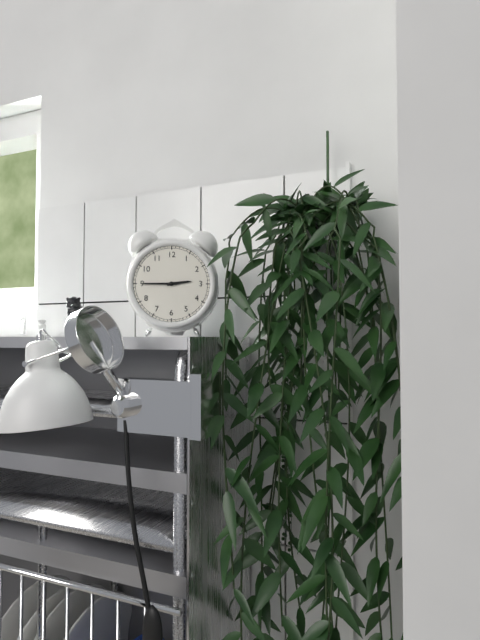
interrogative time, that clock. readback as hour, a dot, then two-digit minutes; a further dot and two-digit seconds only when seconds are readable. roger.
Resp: 2.45
